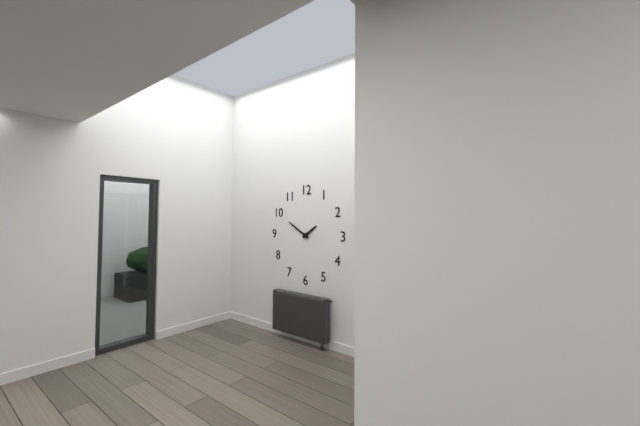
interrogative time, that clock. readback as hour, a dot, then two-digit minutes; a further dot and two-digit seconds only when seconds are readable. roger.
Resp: 1.50
